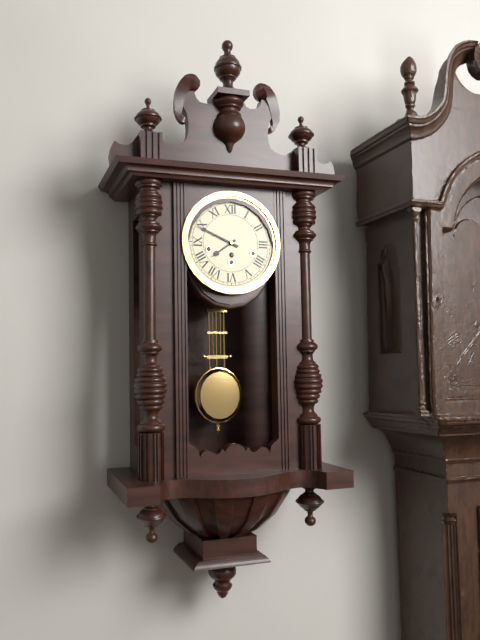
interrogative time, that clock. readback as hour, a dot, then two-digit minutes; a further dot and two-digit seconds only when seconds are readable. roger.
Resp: 7.49
